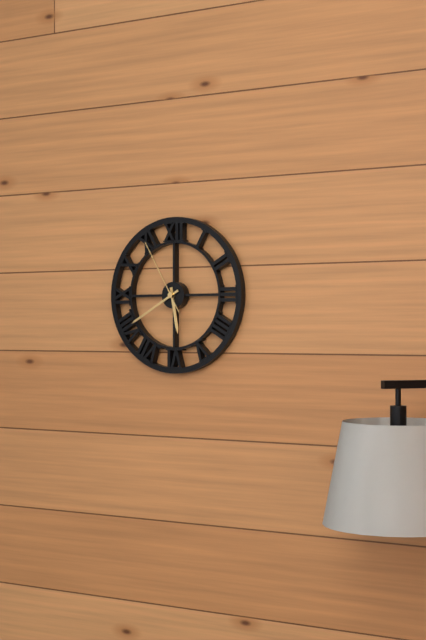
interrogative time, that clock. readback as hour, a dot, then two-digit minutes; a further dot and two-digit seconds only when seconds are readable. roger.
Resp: 5.40.55
